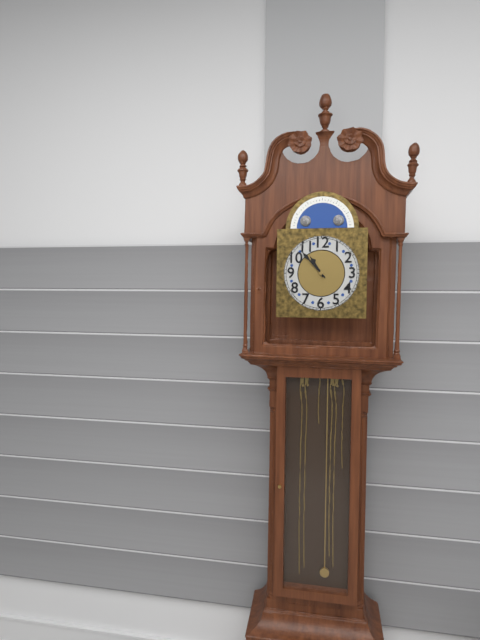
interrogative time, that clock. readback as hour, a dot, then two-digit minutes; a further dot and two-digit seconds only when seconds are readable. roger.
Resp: 10.53
